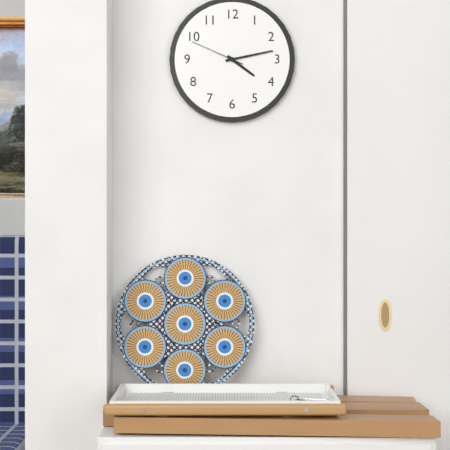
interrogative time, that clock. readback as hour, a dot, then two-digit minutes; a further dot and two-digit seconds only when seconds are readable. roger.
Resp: 4.13.49
